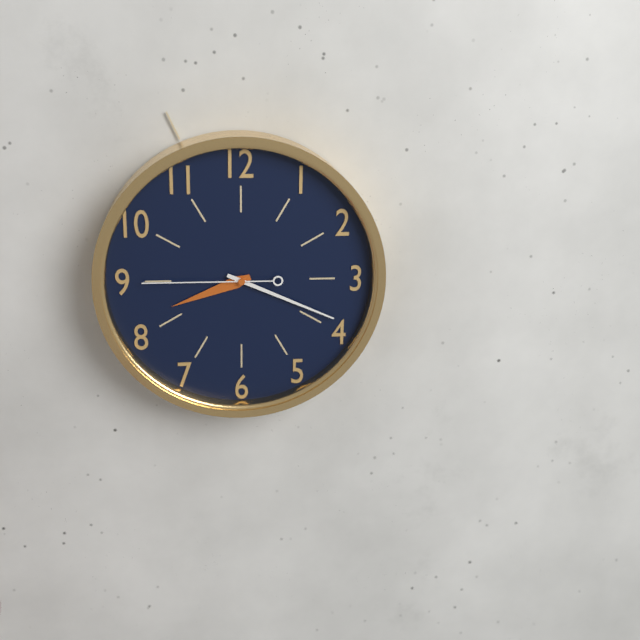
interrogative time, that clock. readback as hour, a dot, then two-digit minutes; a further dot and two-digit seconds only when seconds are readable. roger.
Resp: 8.19.45
